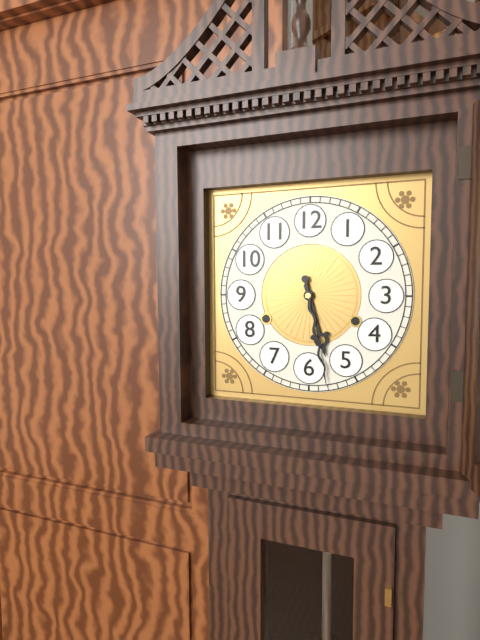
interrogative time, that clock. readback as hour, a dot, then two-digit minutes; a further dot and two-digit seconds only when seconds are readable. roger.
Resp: 5.28
